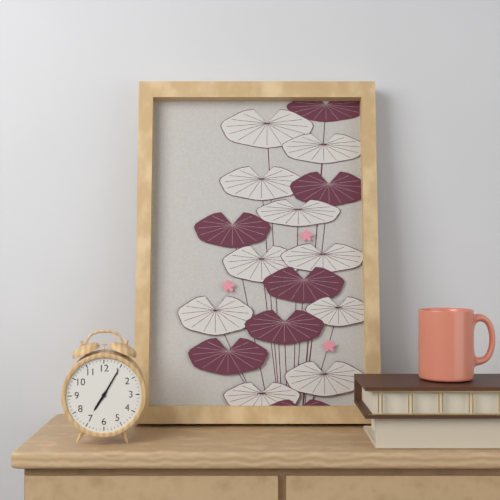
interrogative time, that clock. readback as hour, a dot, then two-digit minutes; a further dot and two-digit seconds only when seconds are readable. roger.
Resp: 7.05
